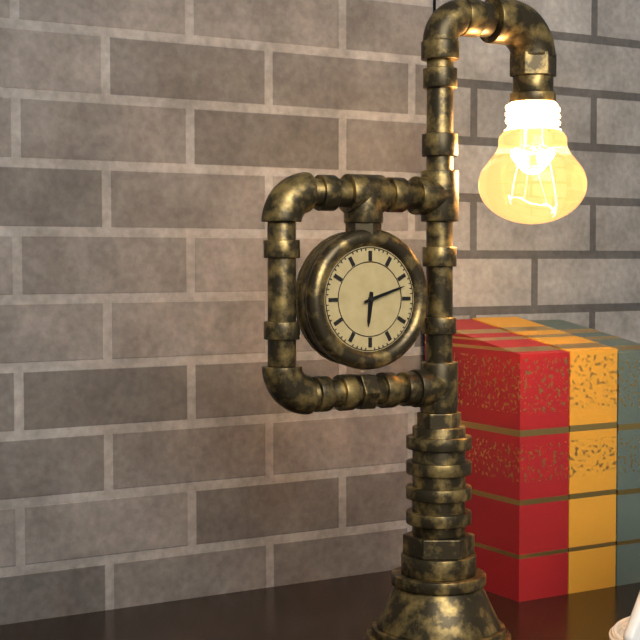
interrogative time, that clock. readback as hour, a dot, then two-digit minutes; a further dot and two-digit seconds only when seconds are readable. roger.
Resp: 6.12
